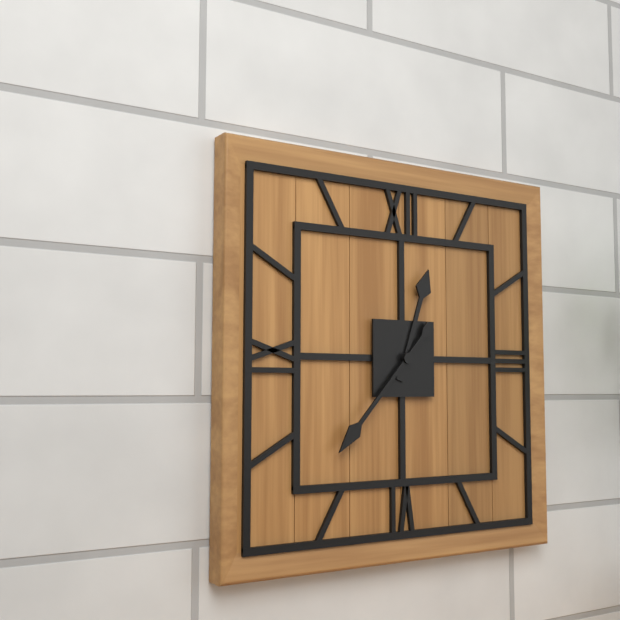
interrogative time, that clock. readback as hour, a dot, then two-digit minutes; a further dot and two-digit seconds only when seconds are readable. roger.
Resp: 12.37
